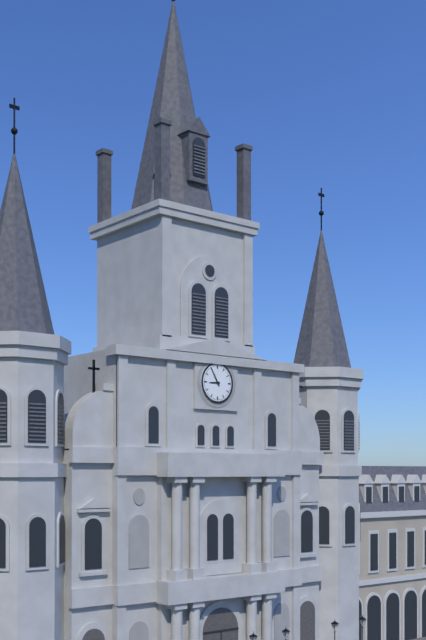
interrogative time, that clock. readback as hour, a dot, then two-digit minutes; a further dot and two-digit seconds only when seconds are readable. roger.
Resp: 8.55
